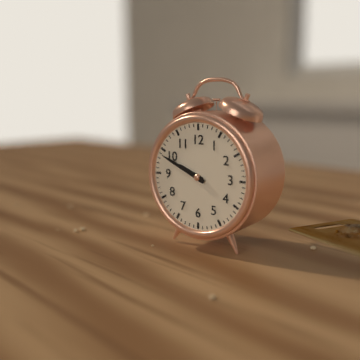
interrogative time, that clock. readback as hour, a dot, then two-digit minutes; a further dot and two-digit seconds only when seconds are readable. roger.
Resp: 9.49
